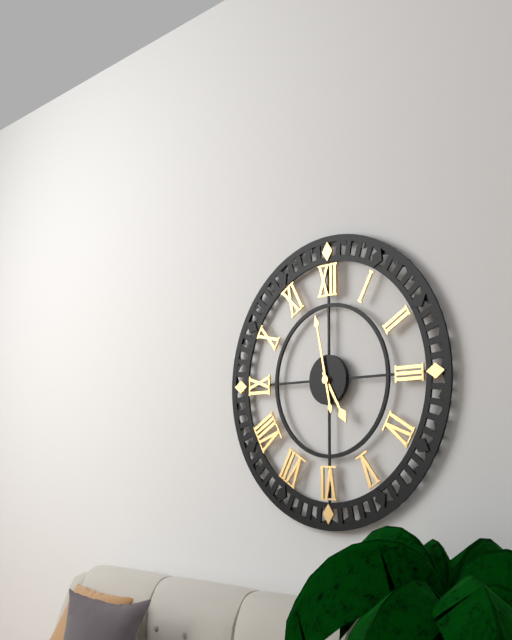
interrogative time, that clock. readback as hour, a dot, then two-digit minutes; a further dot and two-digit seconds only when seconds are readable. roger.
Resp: 4.58
